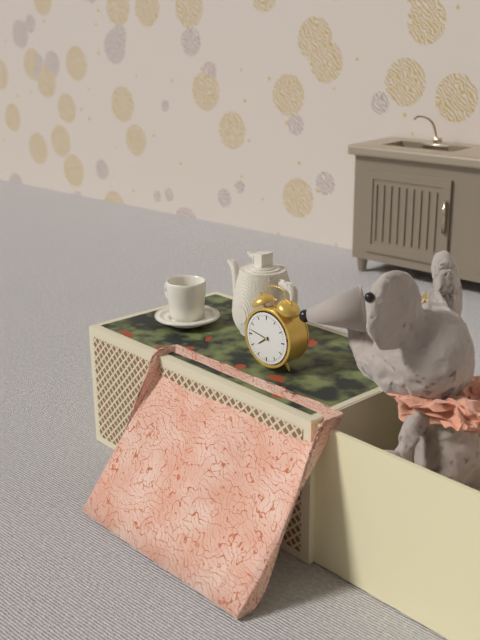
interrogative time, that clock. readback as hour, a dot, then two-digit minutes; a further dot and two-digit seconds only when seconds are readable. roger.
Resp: 7.47
